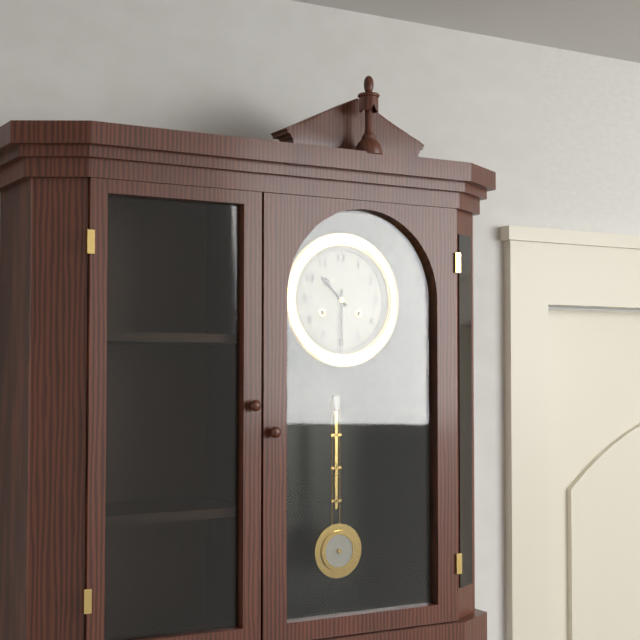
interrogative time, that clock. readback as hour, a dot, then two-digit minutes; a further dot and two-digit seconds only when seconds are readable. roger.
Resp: 10.30
